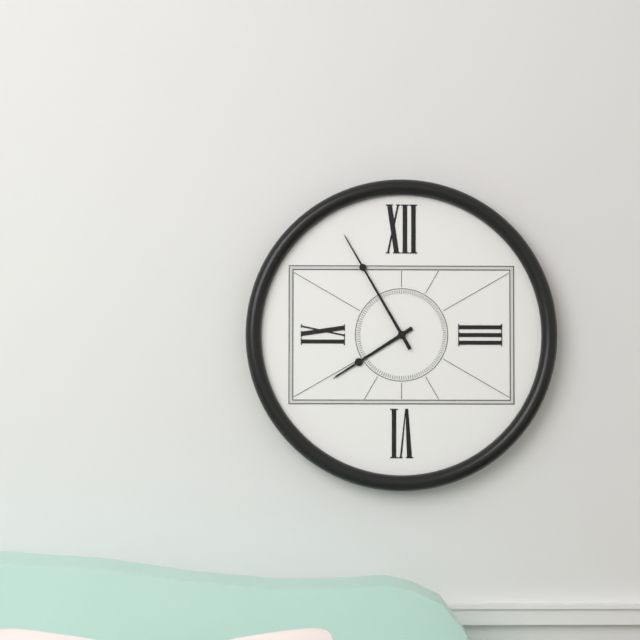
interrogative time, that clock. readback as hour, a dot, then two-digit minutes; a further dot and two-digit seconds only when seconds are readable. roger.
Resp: 7.55
